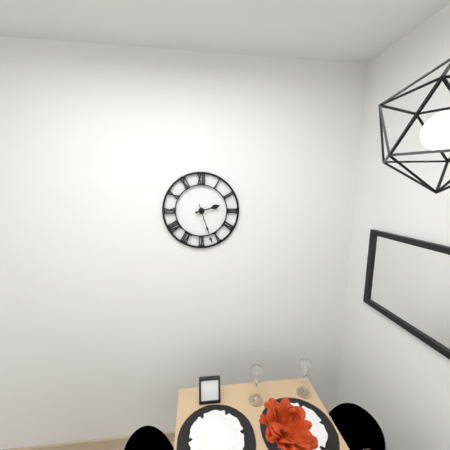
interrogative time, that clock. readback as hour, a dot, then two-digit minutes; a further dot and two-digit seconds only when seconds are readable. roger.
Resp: 2.27
